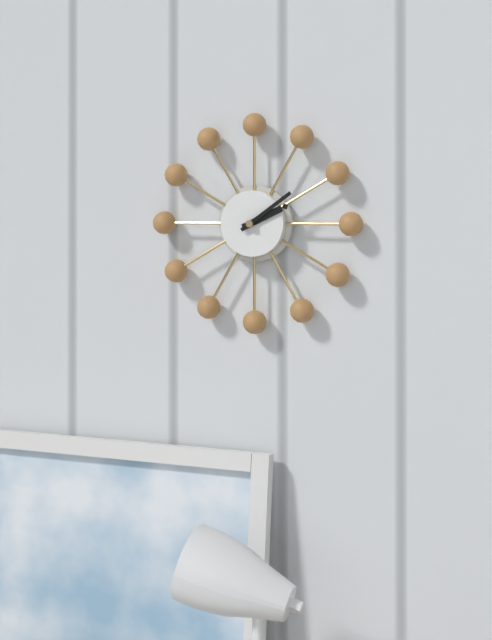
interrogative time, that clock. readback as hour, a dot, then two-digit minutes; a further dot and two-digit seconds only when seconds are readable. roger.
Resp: 2.09
